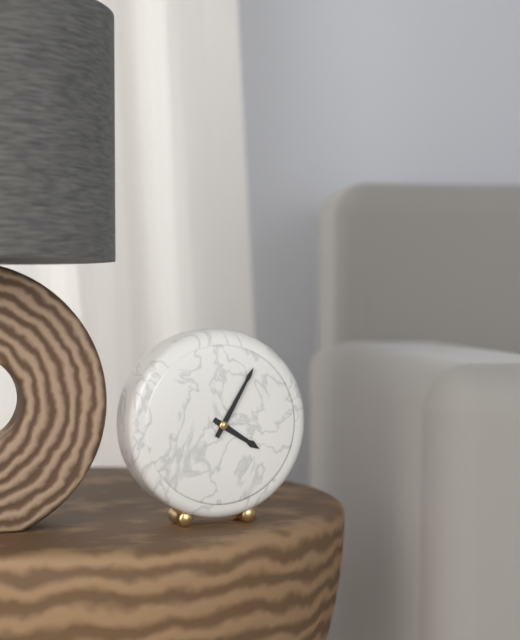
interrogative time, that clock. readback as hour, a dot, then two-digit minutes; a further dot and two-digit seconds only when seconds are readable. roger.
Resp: 4.05
